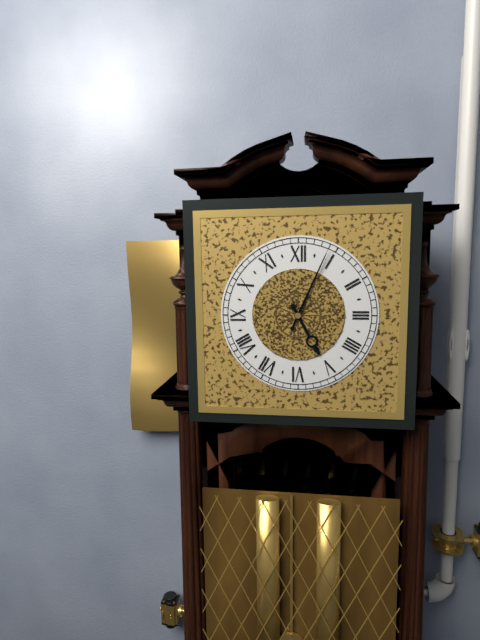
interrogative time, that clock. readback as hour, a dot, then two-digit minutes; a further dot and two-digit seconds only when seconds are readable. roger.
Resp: 5.04
